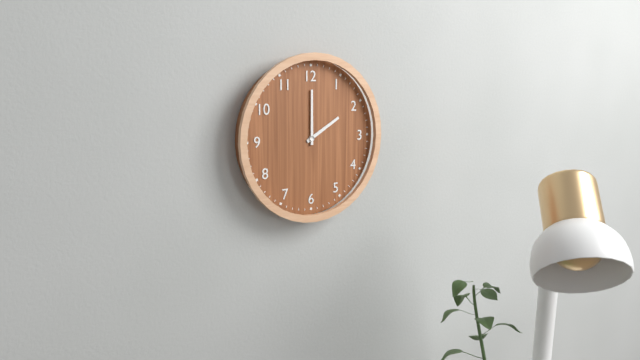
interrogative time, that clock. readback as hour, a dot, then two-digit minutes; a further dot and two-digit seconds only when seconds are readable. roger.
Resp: 2.00
